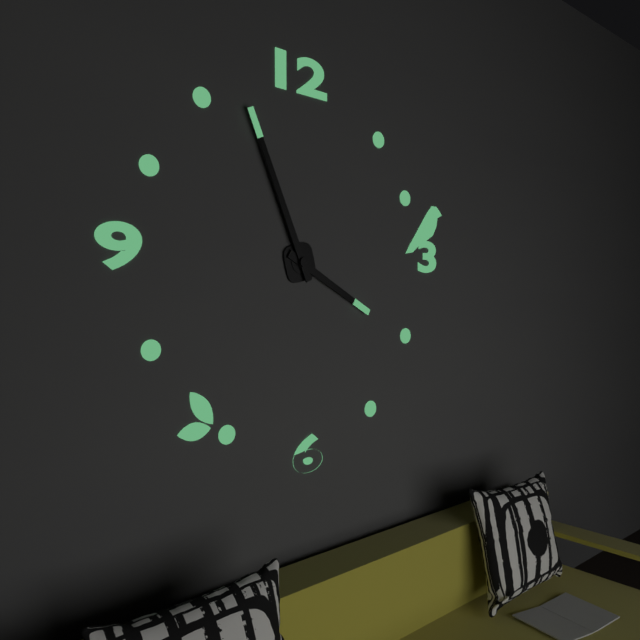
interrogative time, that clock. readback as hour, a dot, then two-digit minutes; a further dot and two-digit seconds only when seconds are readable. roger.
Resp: 3.56
